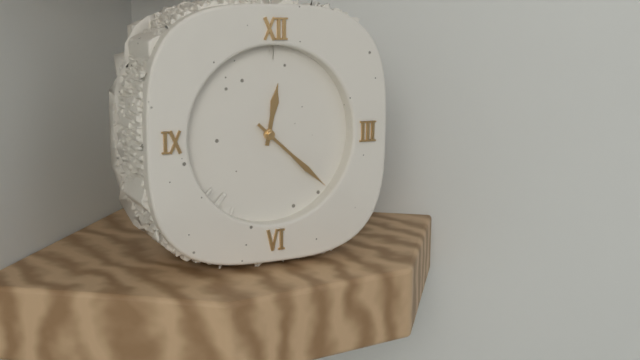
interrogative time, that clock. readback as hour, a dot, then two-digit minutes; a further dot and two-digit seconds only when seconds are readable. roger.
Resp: 12.22
